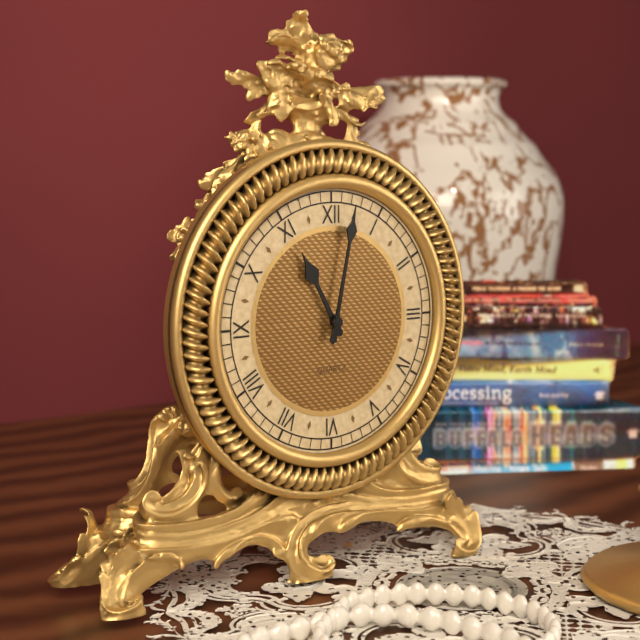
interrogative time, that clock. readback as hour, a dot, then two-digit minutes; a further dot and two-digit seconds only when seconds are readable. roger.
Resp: 11.02
